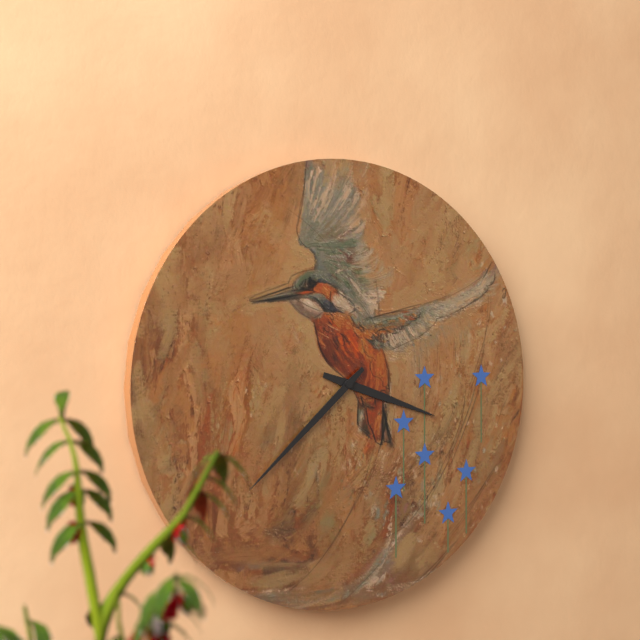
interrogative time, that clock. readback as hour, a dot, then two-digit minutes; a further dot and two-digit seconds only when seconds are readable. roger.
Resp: 3.38
